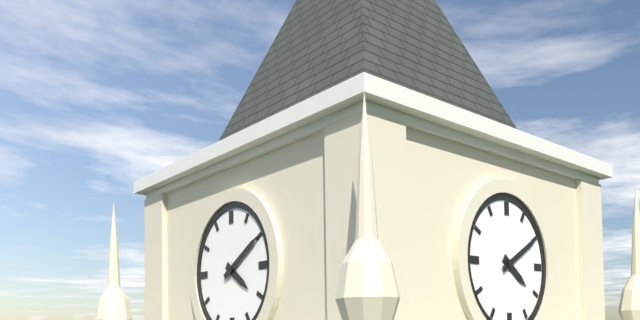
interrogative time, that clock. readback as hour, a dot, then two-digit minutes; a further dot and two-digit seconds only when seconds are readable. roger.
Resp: 4.10
